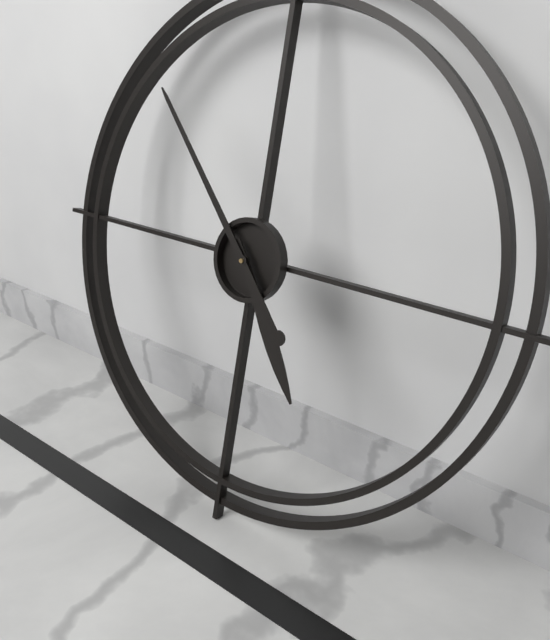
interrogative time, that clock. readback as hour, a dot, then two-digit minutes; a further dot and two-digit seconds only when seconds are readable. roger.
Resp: 4.53
